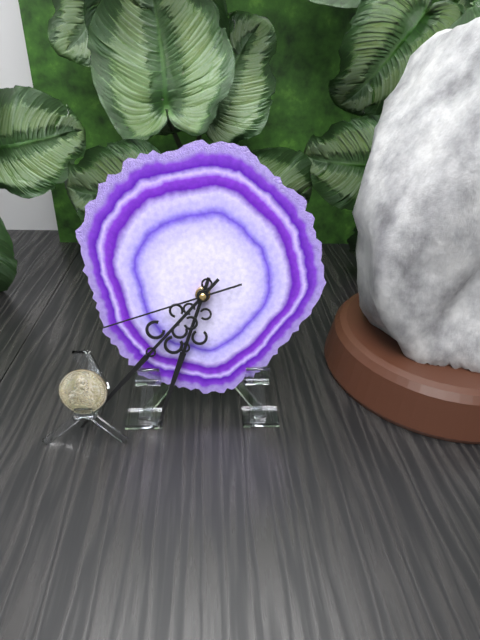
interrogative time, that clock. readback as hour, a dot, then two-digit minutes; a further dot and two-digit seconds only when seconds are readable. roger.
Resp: 6.37.42
